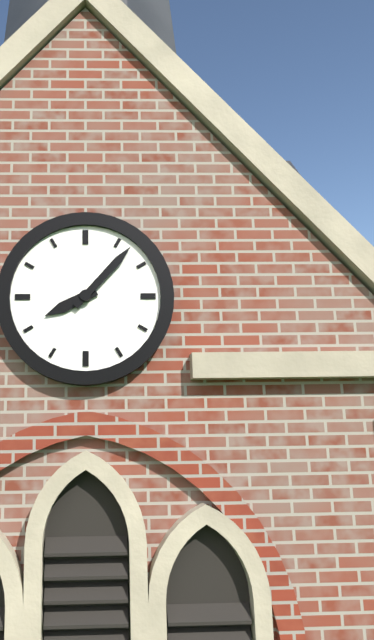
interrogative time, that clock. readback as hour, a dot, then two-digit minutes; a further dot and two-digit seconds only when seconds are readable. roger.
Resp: 8.07
